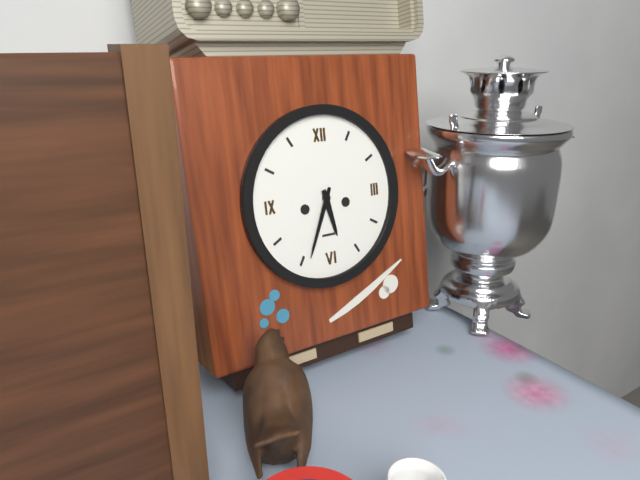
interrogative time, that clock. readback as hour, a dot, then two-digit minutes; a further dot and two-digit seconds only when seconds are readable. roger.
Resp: 5.34
